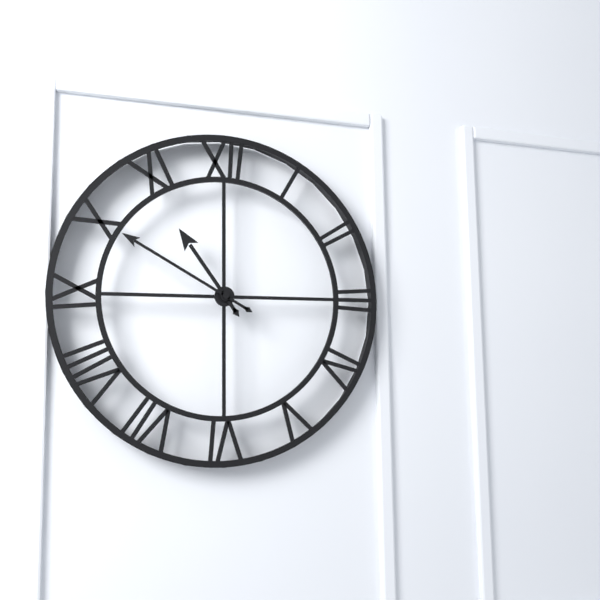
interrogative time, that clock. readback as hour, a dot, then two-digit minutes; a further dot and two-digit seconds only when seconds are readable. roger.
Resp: 10.50
